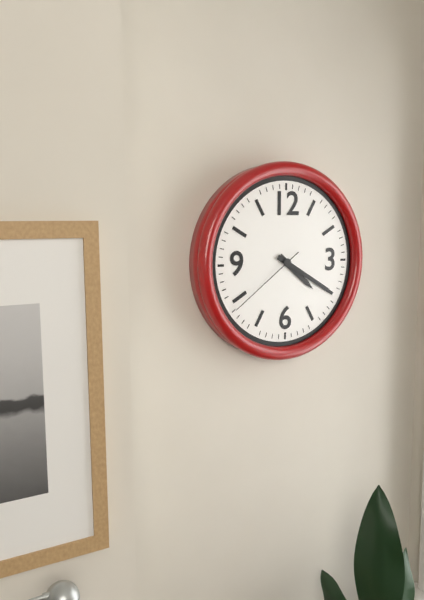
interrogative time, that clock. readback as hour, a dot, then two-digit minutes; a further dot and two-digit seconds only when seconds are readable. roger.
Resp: 4.20.39
